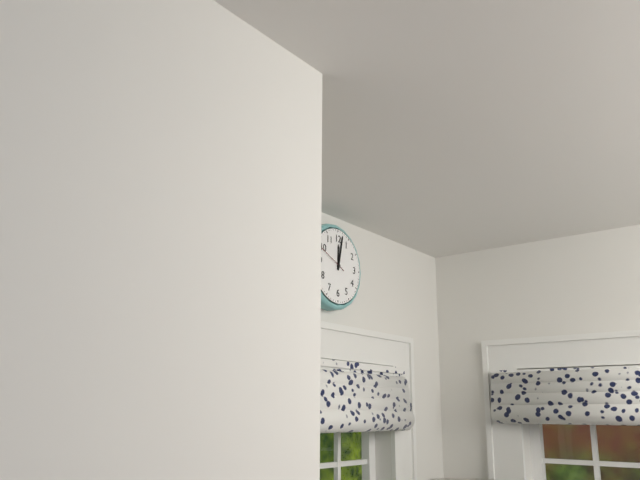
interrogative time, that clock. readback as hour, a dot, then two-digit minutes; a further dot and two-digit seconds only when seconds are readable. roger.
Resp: 12.02
